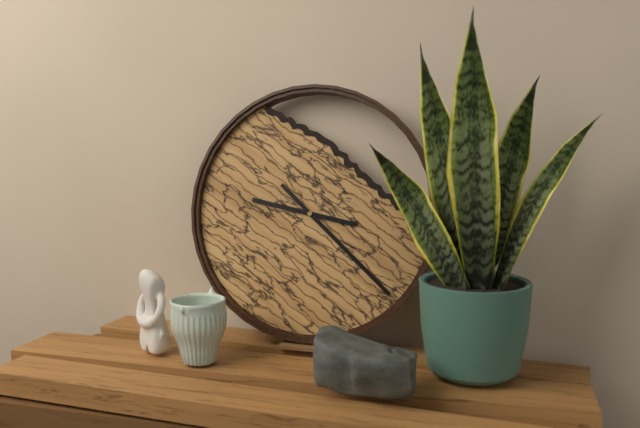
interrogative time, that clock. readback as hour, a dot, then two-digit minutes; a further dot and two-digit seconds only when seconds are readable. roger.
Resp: 9.22
